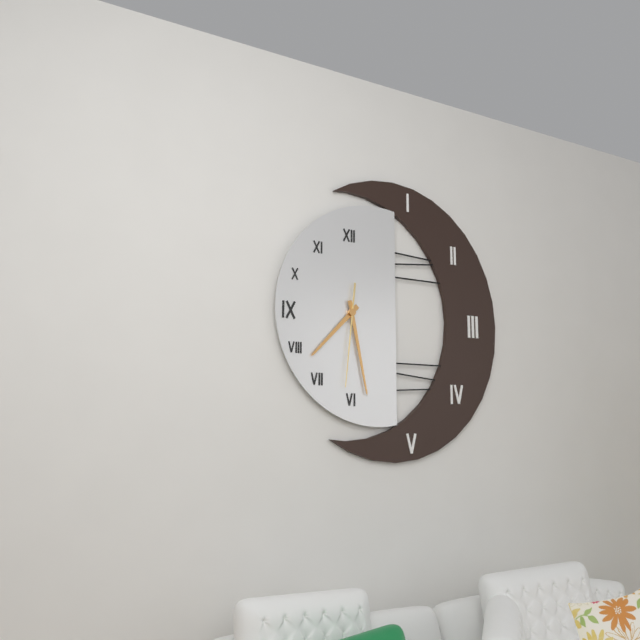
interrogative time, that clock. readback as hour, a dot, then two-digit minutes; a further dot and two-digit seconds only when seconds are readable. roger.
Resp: 7.28.31
